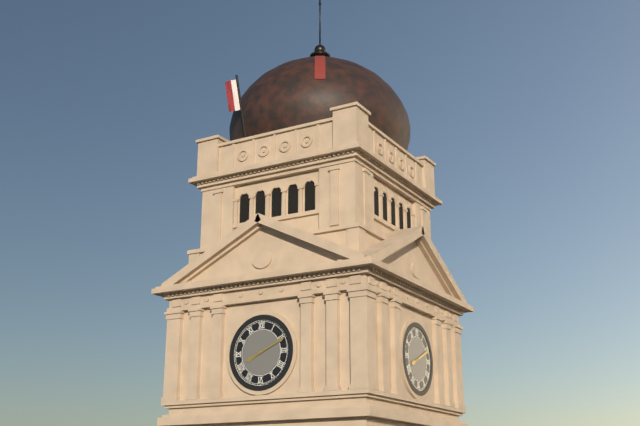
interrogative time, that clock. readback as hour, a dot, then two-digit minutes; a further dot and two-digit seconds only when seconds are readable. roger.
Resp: 8.11
